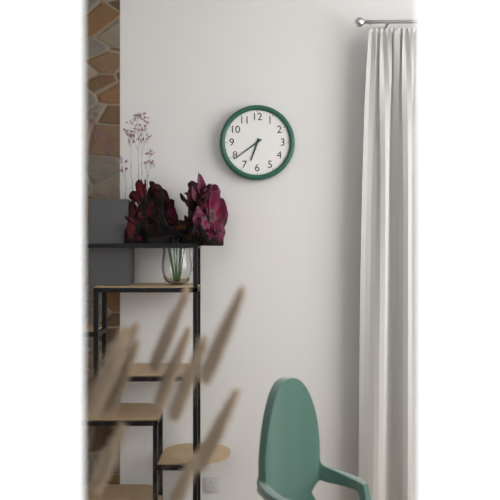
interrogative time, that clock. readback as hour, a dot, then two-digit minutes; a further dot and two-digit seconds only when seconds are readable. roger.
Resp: 6.39
